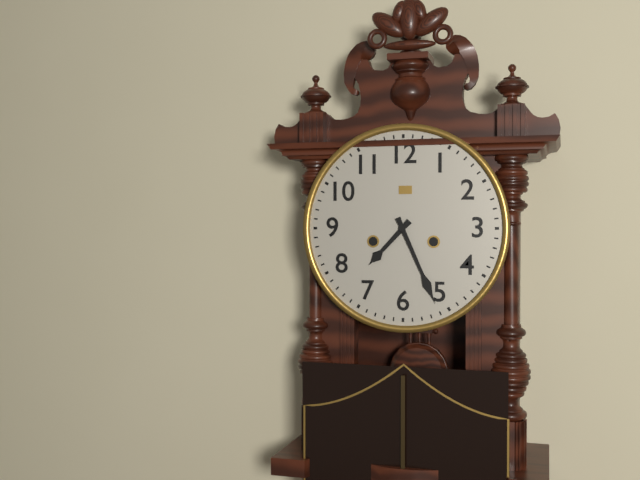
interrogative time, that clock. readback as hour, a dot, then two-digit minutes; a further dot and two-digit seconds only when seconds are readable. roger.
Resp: 7.26
